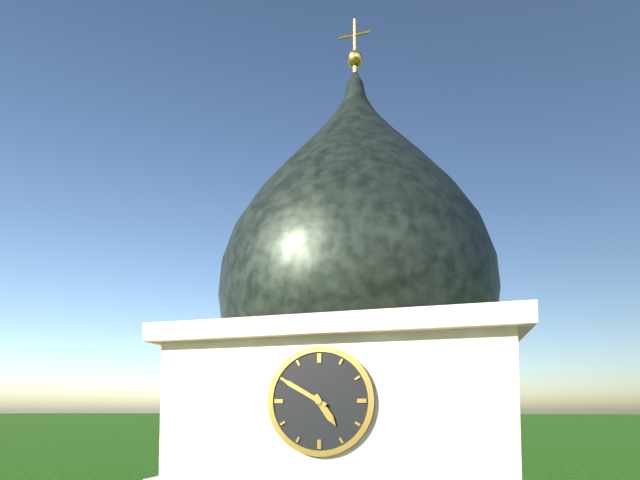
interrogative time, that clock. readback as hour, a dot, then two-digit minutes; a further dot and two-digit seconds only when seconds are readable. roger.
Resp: 4.50
